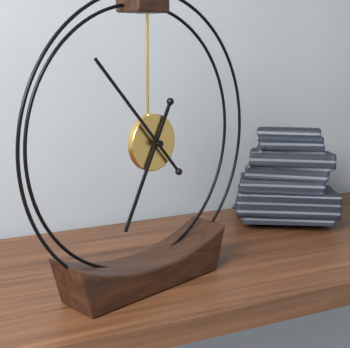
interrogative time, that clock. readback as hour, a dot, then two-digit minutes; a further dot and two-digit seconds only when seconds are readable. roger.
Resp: 6.53
